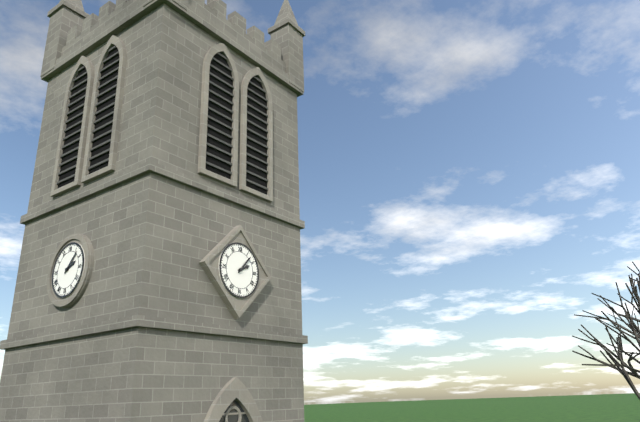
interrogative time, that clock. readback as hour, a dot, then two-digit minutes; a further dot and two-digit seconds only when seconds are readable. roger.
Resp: 2.07
